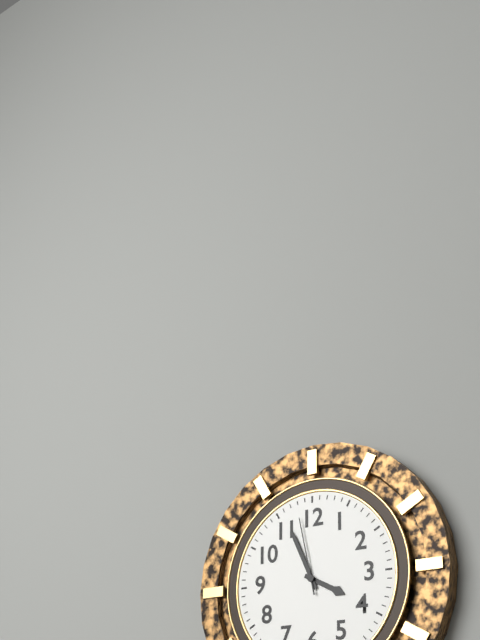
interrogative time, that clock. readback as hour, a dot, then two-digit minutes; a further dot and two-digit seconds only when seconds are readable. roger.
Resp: 3.56.58
